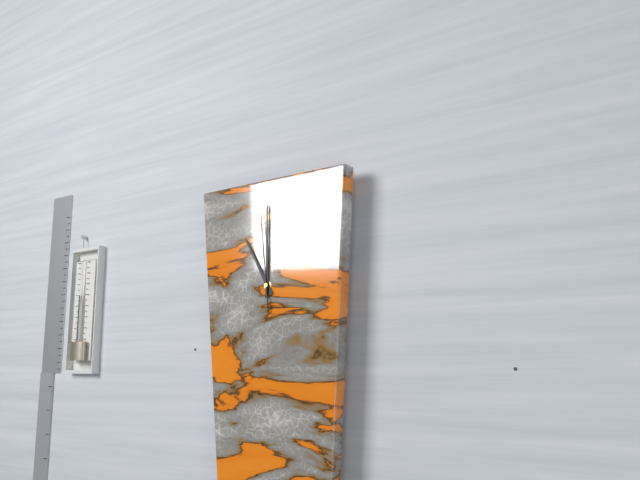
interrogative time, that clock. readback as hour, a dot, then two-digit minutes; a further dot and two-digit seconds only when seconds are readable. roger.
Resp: 11.00.59
